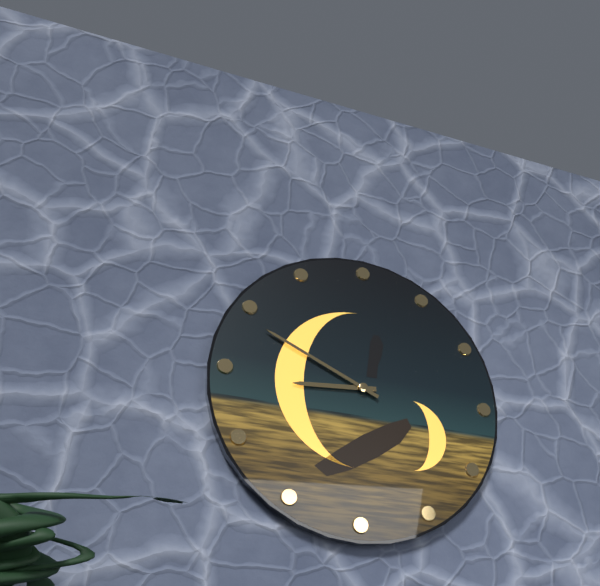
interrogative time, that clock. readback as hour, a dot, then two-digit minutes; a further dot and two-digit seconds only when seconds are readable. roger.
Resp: 8.49
